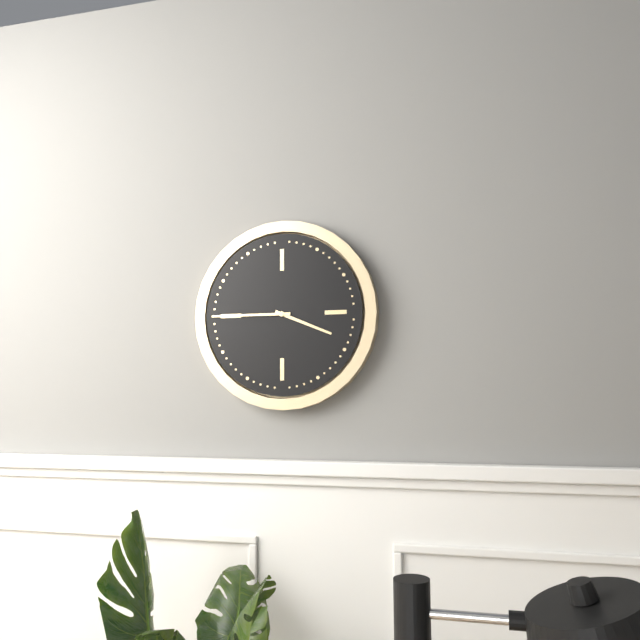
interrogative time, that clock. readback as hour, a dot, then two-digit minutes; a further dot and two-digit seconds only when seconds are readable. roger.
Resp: 3.45
